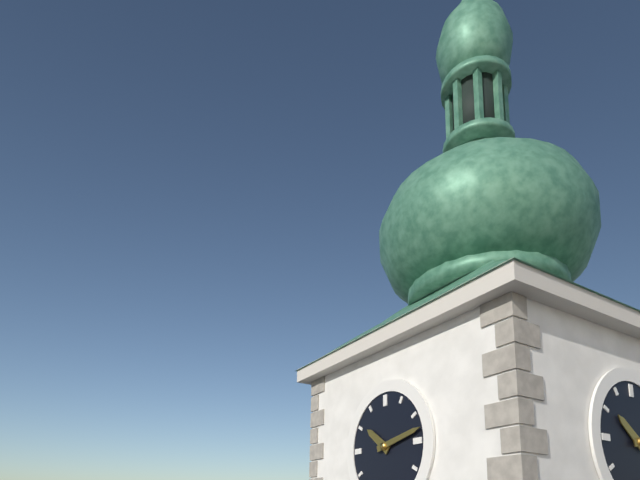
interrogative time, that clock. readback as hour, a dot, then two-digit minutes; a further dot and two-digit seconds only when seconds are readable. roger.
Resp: 10.13
